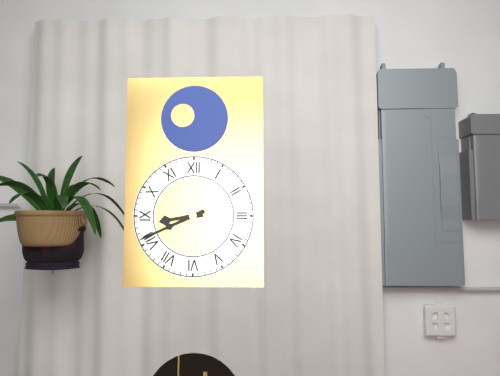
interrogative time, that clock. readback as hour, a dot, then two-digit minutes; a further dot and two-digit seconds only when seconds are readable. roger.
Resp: 8.41
